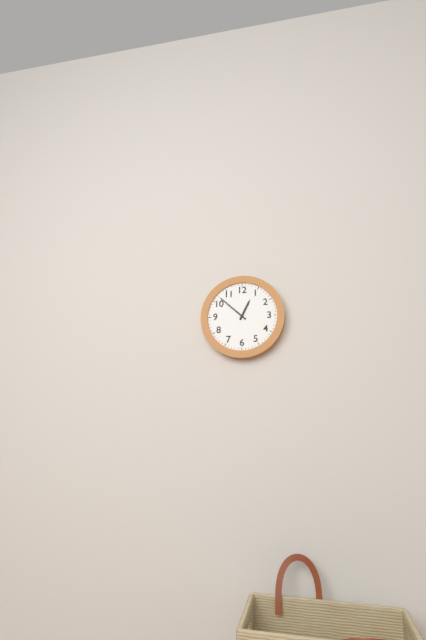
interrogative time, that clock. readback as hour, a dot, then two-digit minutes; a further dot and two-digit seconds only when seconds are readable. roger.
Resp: 12.52
